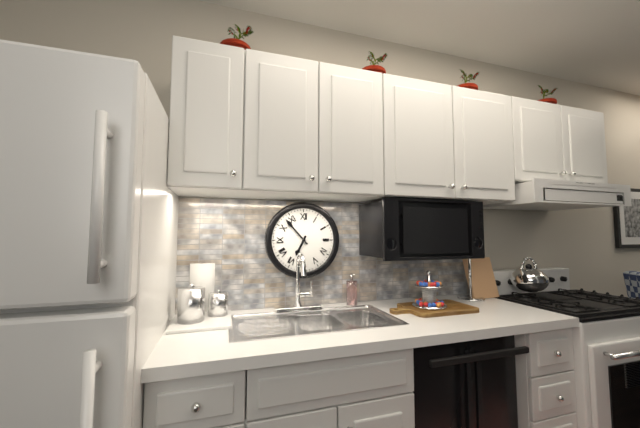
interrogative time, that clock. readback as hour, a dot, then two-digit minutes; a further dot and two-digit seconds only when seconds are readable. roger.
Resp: 6.53
